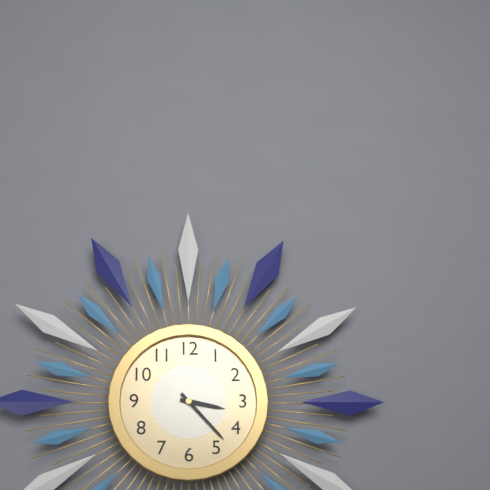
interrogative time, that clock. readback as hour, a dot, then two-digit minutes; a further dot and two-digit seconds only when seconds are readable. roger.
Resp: 3.23
